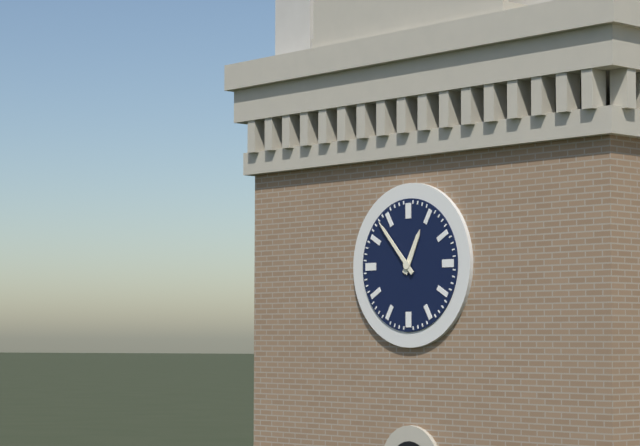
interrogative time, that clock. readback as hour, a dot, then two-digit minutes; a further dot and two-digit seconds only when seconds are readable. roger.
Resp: 12.53
